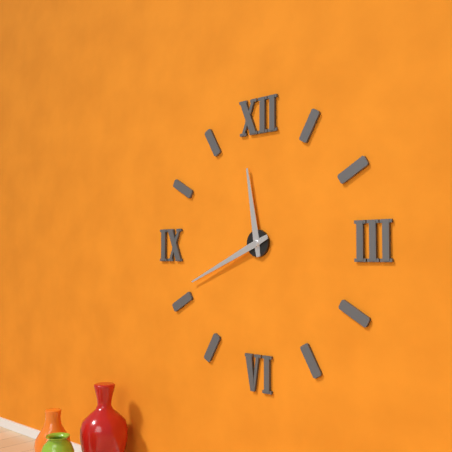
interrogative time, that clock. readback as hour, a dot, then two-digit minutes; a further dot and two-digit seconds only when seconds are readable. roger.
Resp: 11.41
